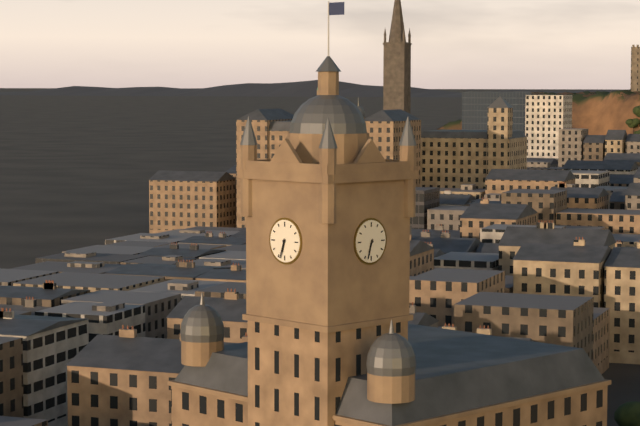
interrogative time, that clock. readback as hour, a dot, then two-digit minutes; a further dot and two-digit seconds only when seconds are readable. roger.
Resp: 6.33
